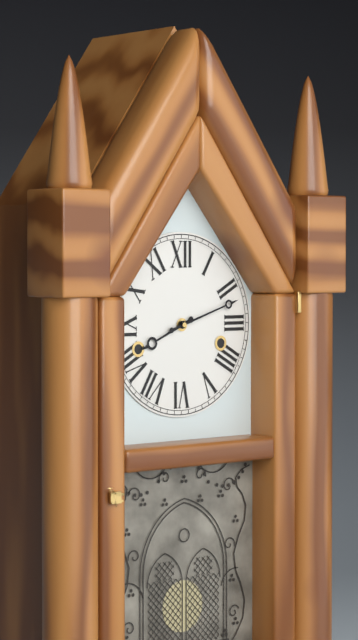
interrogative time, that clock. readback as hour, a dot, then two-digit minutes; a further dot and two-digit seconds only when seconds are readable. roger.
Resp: 8.12
